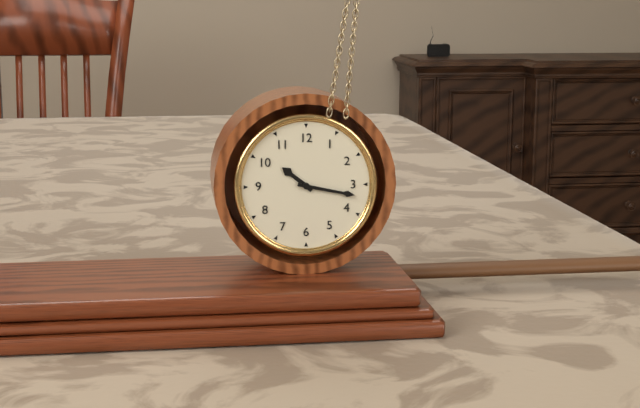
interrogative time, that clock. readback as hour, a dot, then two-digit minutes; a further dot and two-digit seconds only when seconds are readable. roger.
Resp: 10.17
